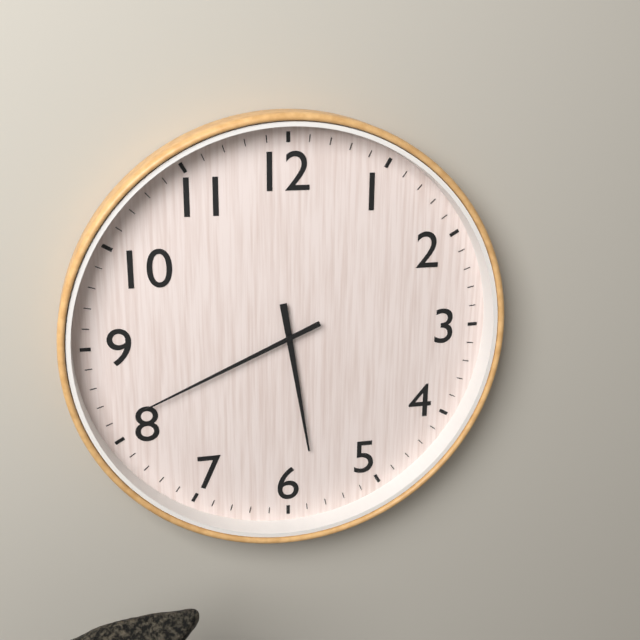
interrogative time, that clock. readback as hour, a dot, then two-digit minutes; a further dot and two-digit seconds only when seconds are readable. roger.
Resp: 5.41
